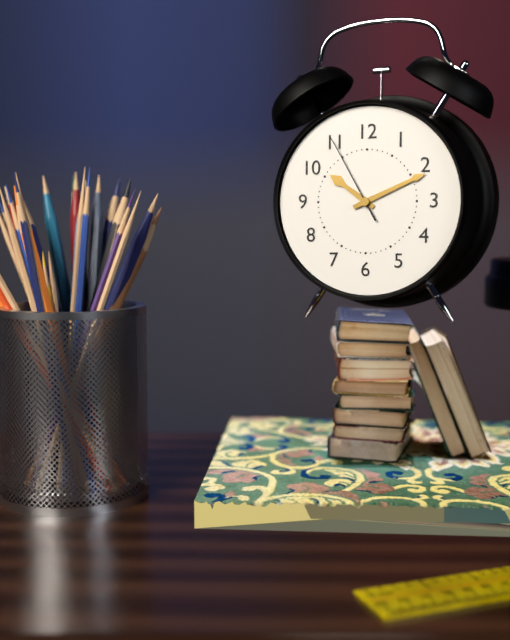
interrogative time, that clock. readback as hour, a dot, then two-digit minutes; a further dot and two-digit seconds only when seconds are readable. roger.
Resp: 10.11.55
